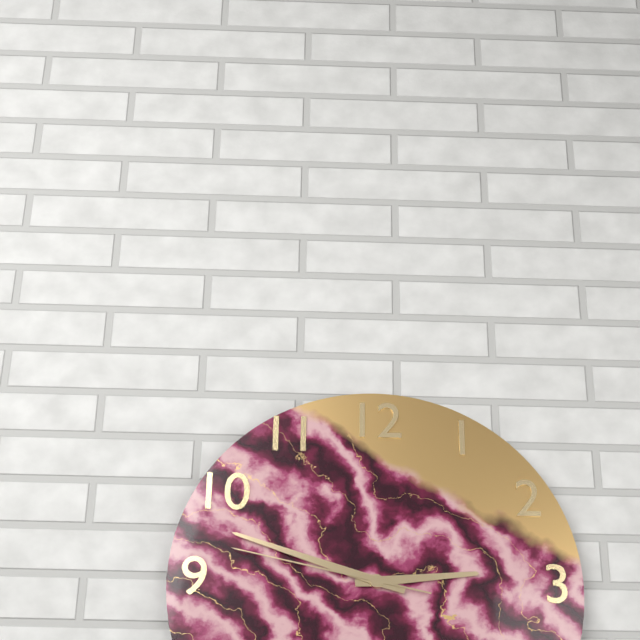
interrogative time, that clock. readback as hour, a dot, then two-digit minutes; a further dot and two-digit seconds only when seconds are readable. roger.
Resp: 2.48.47
